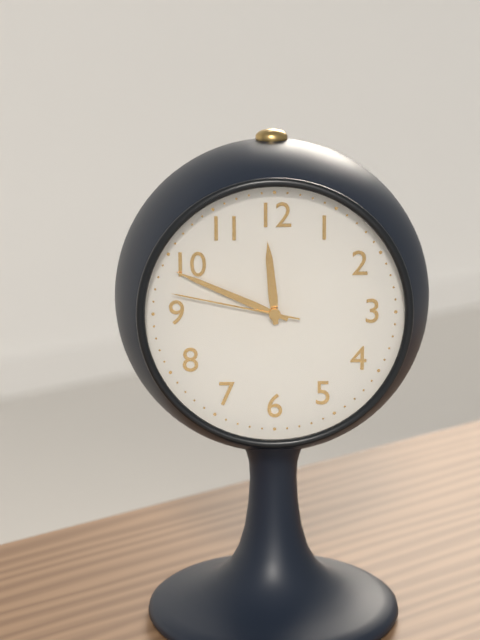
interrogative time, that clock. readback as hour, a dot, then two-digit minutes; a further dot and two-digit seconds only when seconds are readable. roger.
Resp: 11.49.47
